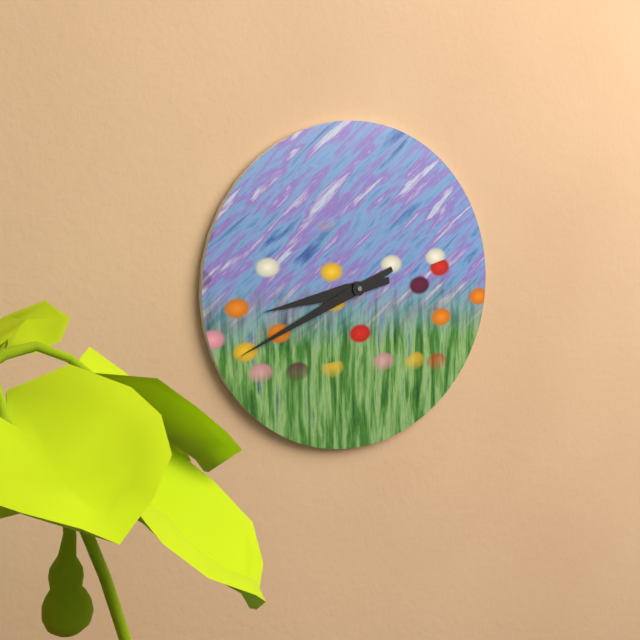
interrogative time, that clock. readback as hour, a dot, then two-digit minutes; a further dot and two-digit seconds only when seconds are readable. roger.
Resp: 8.41
